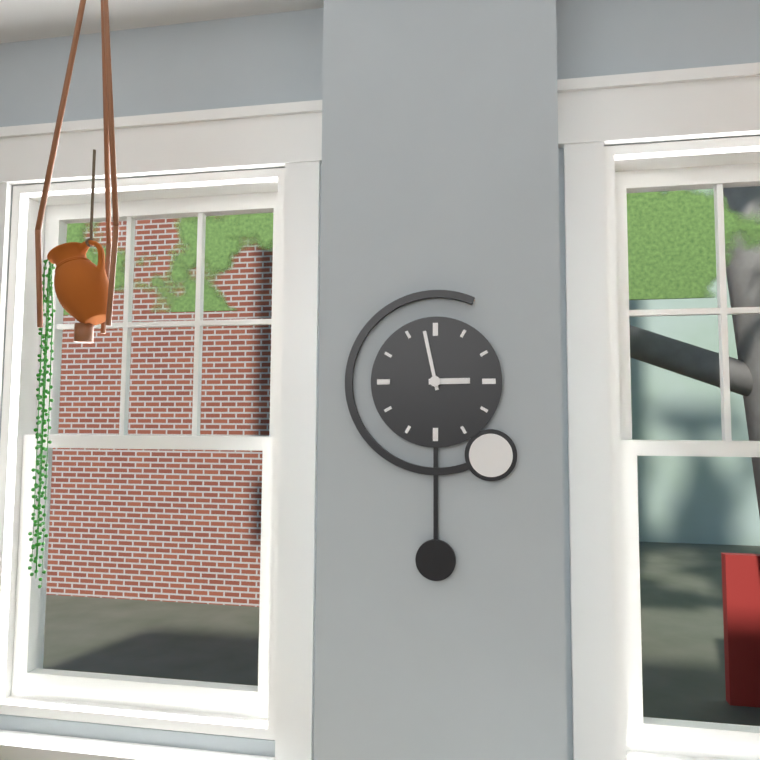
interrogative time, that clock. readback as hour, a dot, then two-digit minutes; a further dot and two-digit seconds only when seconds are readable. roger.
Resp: 2.58
